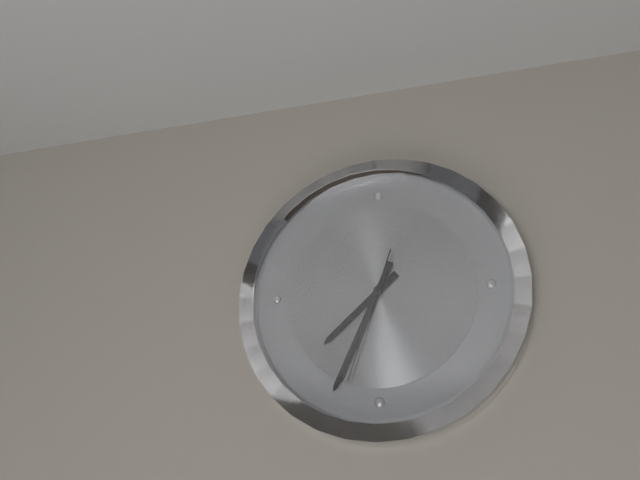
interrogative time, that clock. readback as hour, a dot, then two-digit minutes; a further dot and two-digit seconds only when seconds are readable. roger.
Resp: 7.34.33
